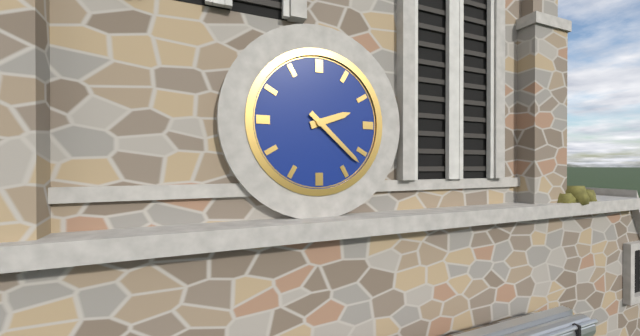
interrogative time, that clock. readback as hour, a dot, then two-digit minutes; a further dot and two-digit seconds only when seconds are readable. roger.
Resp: 2.22
